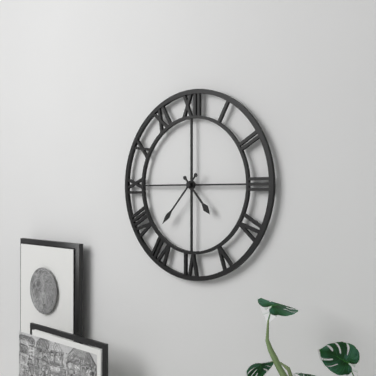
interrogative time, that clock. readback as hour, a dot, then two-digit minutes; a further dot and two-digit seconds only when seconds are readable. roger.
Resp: 4.37
